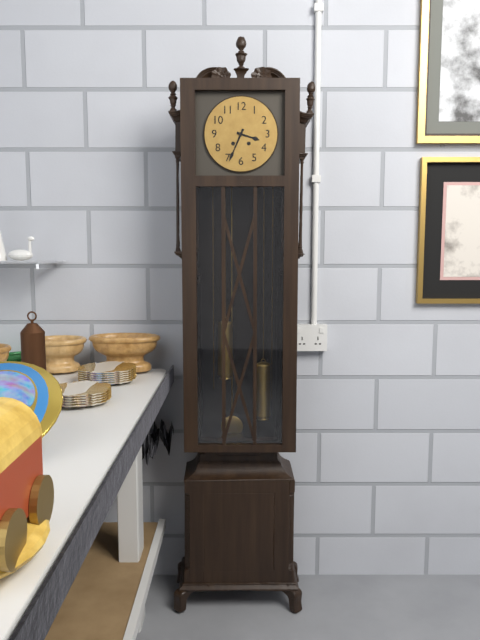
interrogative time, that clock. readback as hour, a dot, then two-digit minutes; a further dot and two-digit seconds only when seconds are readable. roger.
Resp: 3.34
